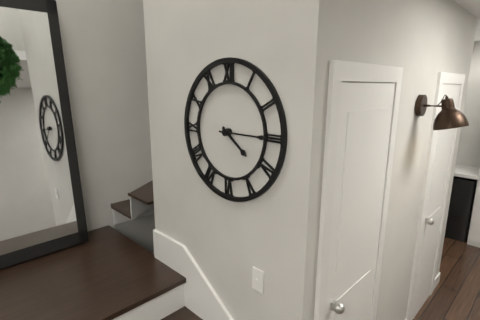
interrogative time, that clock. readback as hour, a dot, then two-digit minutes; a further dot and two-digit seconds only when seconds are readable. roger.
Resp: 4.15
